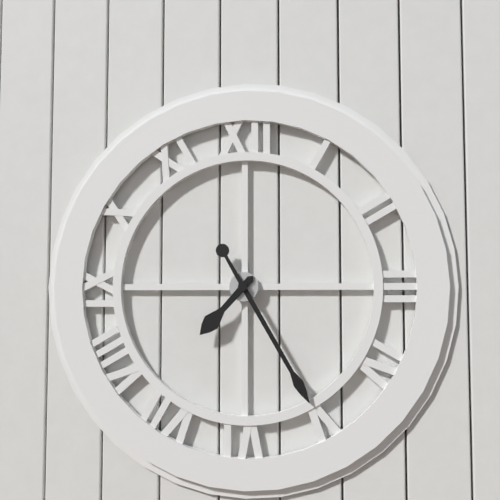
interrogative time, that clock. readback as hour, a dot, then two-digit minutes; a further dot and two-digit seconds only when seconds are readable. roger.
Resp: 7.25
